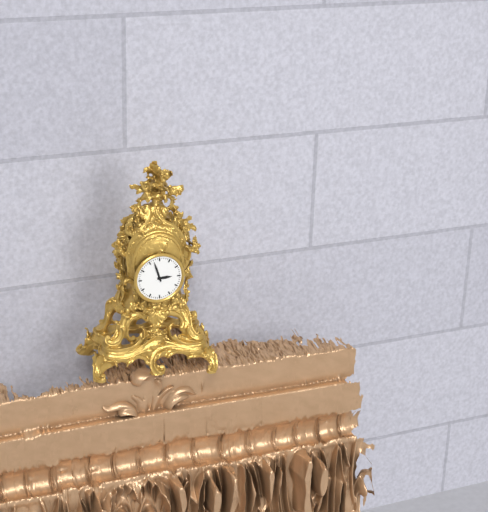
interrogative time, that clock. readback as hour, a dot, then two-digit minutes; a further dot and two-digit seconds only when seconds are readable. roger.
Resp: 2.57
